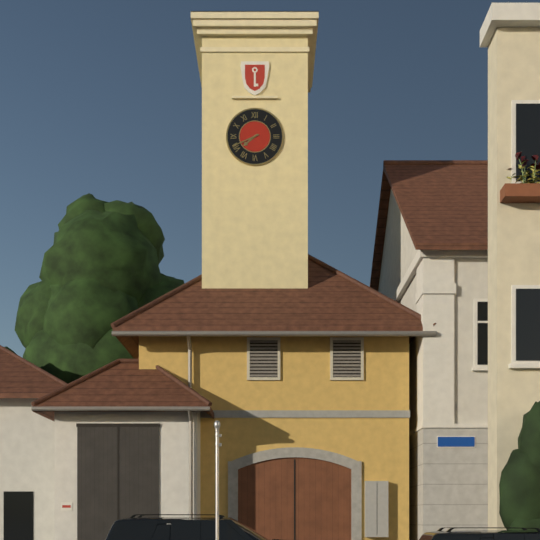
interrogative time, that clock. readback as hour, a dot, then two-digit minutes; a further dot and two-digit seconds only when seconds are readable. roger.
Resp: 7.41
